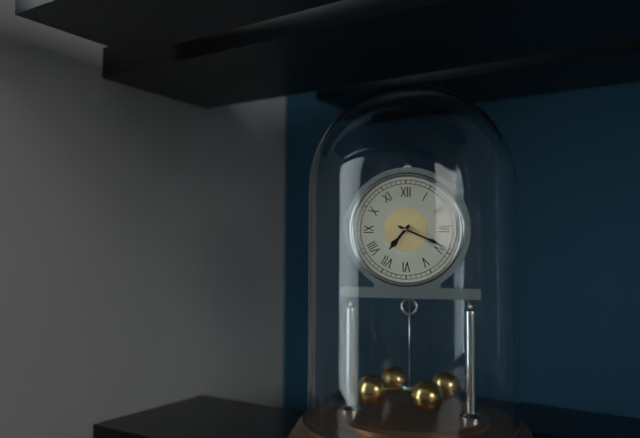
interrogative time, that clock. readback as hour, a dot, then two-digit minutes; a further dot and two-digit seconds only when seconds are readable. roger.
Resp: 7.19
